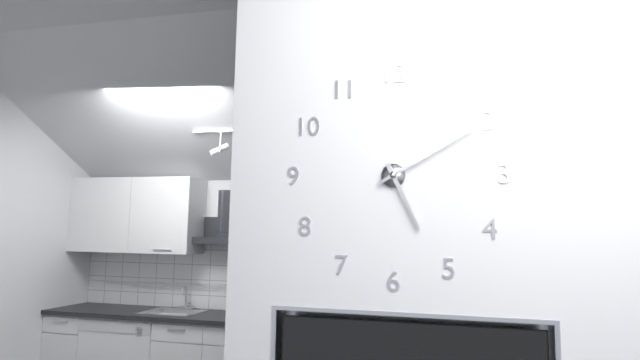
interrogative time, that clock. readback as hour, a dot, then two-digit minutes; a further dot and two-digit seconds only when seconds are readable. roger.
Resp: 5.10
